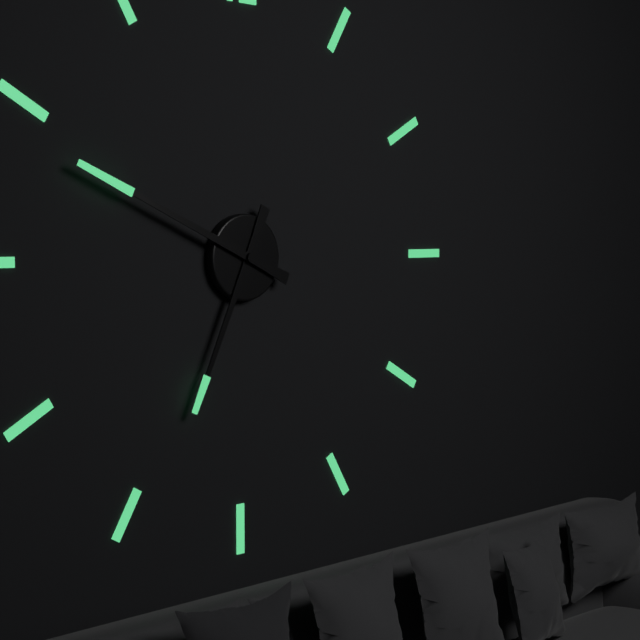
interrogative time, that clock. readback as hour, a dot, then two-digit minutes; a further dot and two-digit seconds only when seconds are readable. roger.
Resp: 6.49
